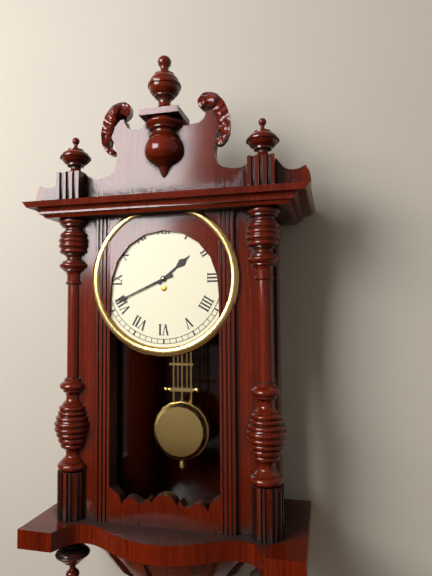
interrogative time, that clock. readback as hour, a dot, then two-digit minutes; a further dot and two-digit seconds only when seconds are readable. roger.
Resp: 1.41
